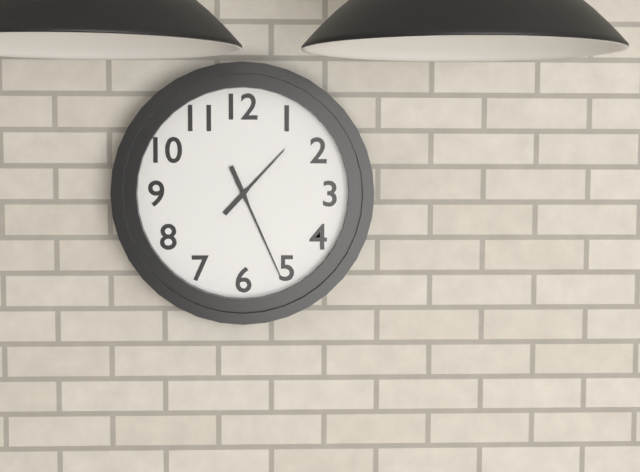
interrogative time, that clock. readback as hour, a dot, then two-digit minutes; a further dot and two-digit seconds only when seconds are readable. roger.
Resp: 1.26
